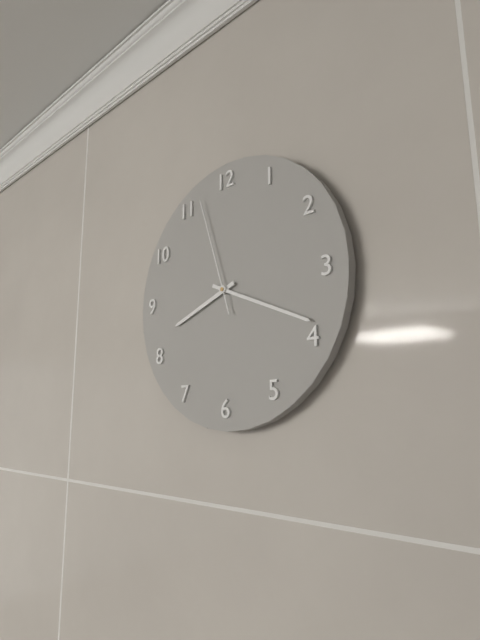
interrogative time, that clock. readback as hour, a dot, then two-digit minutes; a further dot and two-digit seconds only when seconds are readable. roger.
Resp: 8.19.57
